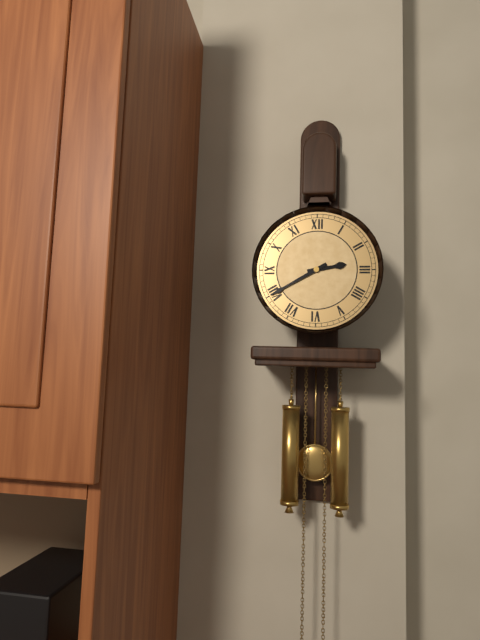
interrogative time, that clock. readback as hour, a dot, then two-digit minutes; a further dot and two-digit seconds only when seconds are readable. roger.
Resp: 2.40
